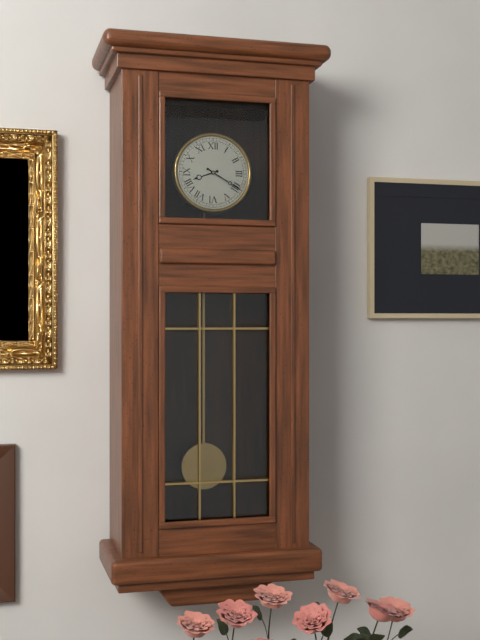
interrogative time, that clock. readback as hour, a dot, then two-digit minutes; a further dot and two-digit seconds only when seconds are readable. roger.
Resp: 8.20
